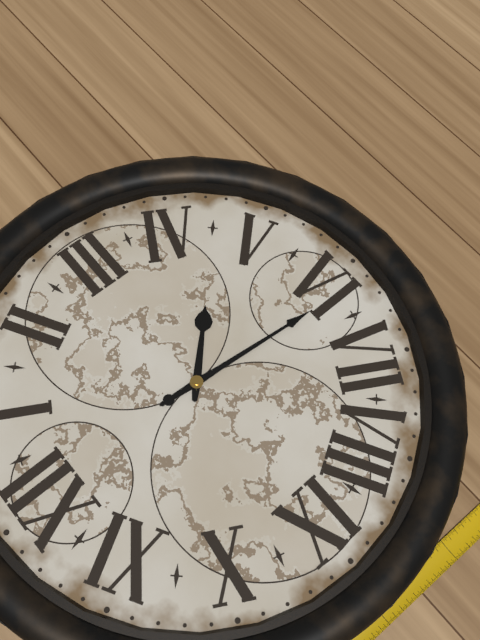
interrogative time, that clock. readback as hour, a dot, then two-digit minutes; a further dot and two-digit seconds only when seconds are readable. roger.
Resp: 4.31
